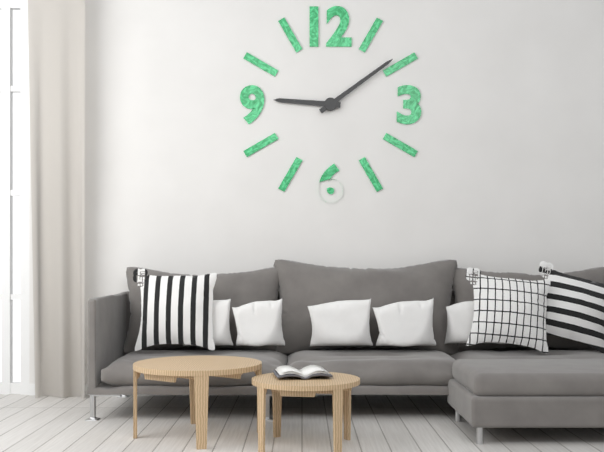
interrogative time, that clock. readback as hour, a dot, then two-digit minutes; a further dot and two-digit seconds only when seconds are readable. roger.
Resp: 9.09
